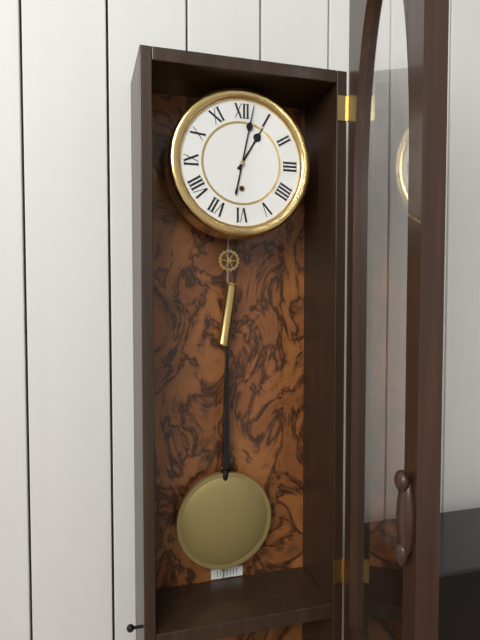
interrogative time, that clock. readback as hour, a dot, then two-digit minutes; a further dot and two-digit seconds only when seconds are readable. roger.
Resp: 1.02
